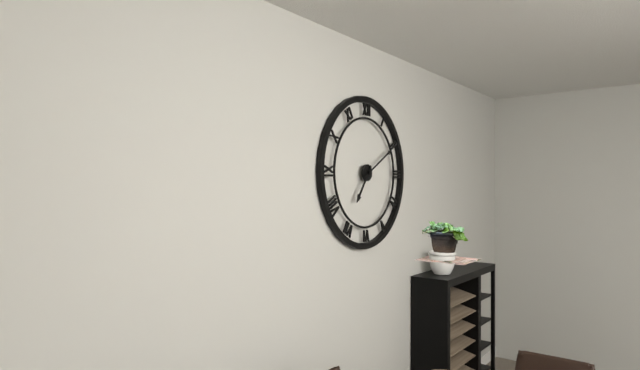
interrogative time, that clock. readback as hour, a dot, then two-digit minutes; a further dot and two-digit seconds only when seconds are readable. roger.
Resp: 7.10
